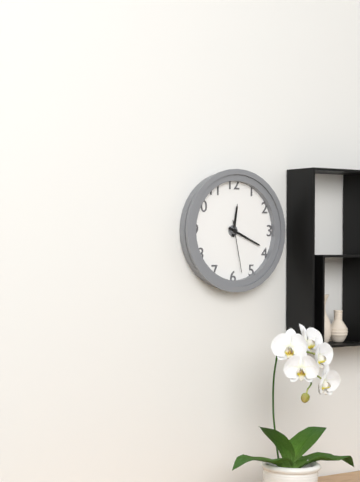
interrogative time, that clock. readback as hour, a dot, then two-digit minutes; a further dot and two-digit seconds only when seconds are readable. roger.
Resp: 12.19.28
